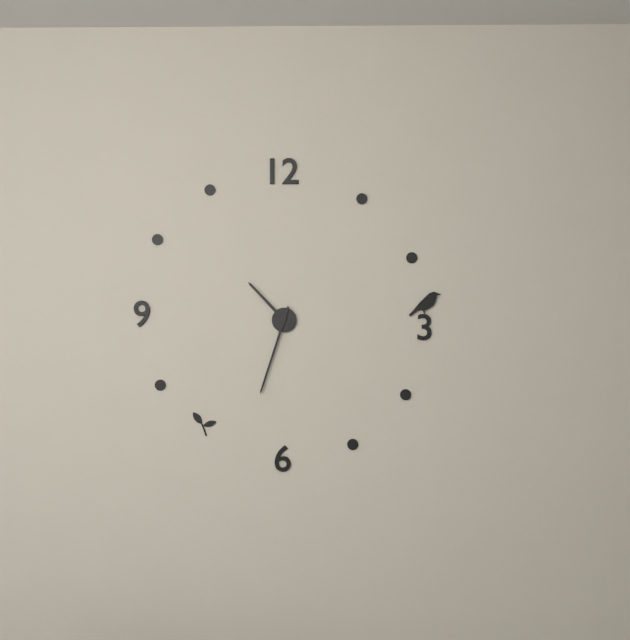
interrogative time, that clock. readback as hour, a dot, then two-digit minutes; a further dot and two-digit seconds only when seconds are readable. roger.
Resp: 10.33
